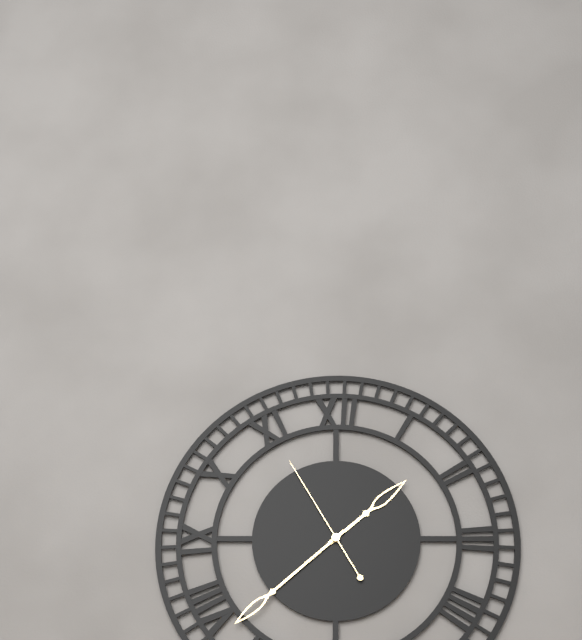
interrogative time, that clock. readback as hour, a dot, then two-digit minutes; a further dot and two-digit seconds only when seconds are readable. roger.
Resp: 1.38.55
